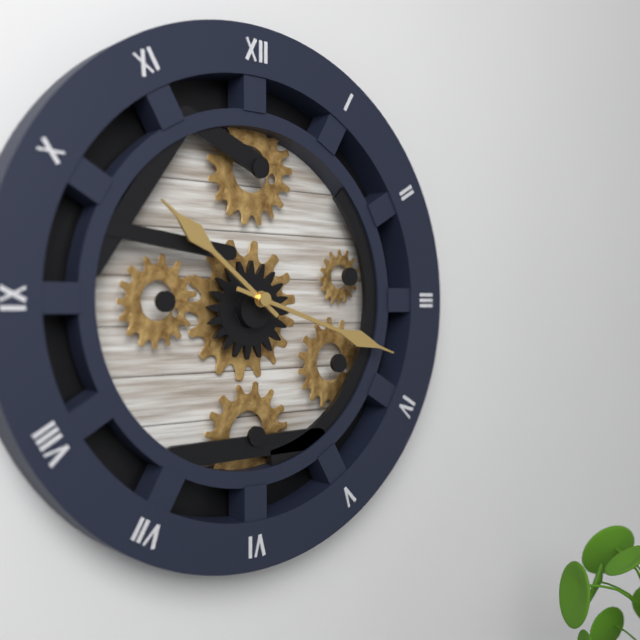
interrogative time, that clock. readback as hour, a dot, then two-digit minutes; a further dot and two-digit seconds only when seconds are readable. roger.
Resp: 10.18
